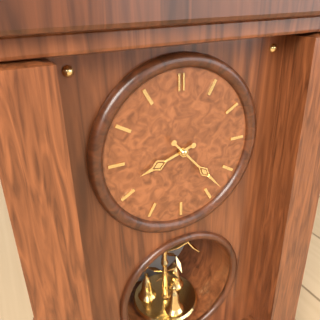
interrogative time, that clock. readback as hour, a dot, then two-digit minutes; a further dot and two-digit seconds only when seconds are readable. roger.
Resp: 8.23
